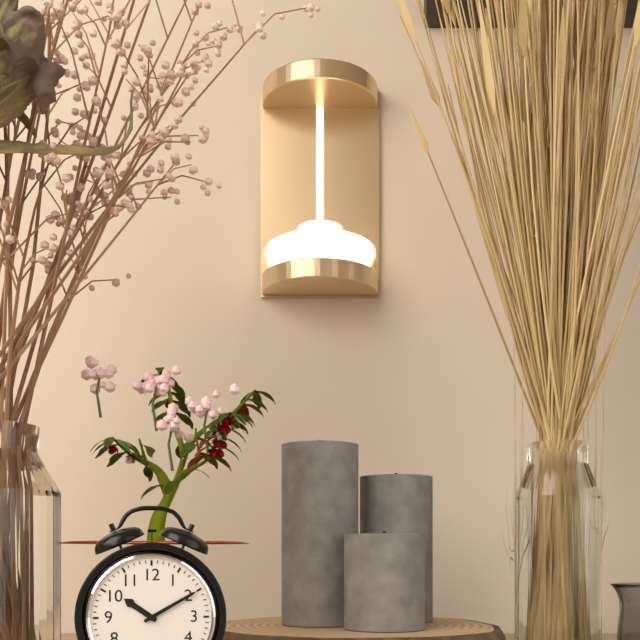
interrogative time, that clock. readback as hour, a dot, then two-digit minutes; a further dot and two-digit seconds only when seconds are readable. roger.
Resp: 10.10
